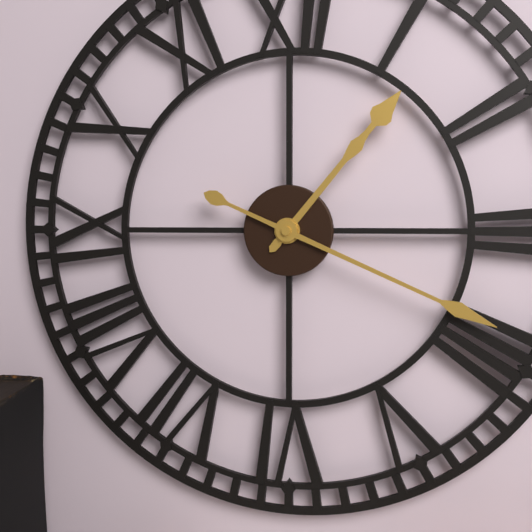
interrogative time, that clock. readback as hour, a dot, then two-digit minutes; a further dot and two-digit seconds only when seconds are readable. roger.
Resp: 1.19
